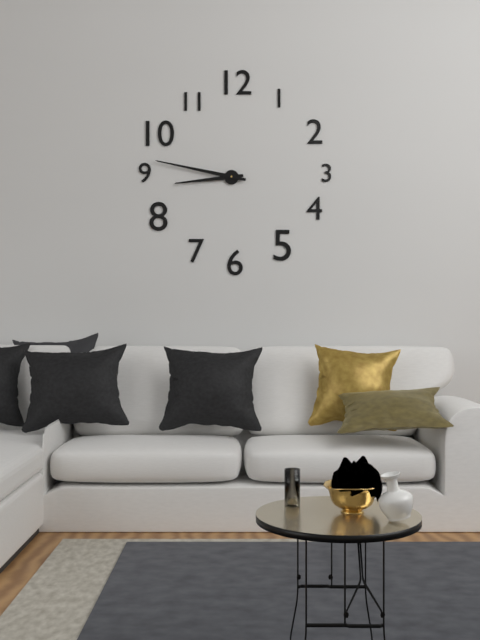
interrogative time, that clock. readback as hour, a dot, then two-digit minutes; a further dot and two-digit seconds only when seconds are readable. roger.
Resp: 8.47
